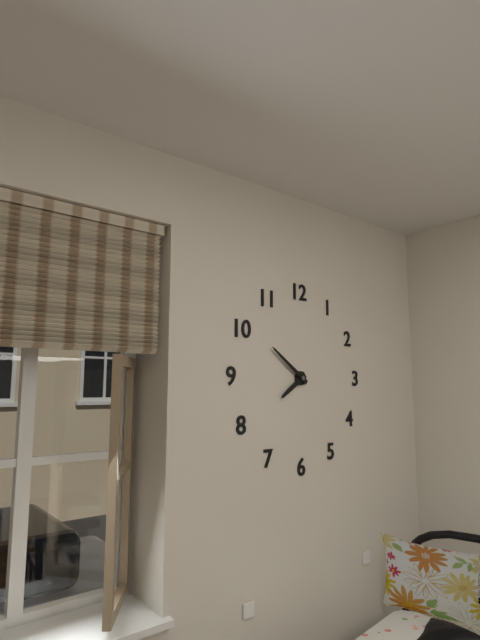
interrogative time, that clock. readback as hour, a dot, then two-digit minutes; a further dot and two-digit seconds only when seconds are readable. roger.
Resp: 7.51
